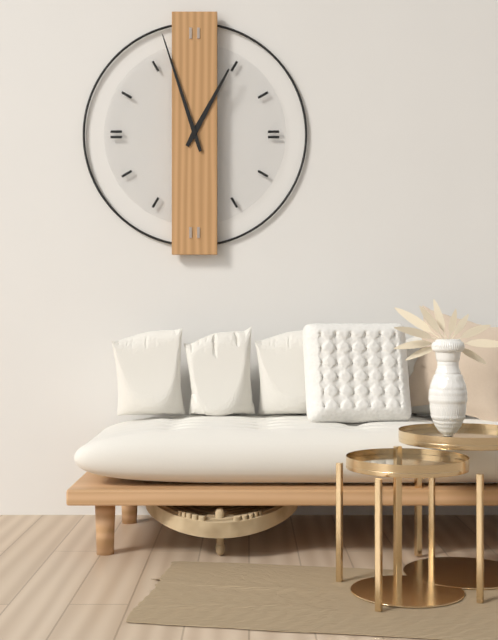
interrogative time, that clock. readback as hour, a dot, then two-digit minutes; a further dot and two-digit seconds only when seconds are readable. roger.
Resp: 12.57
